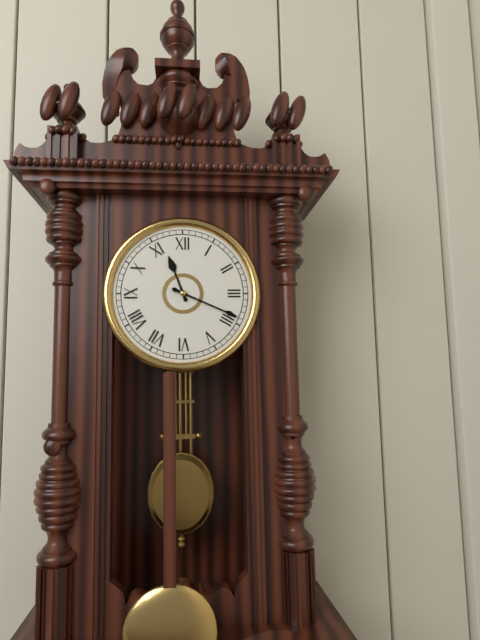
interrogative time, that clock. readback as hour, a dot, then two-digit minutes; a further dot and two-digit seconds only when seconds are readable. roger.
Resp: 11.19
